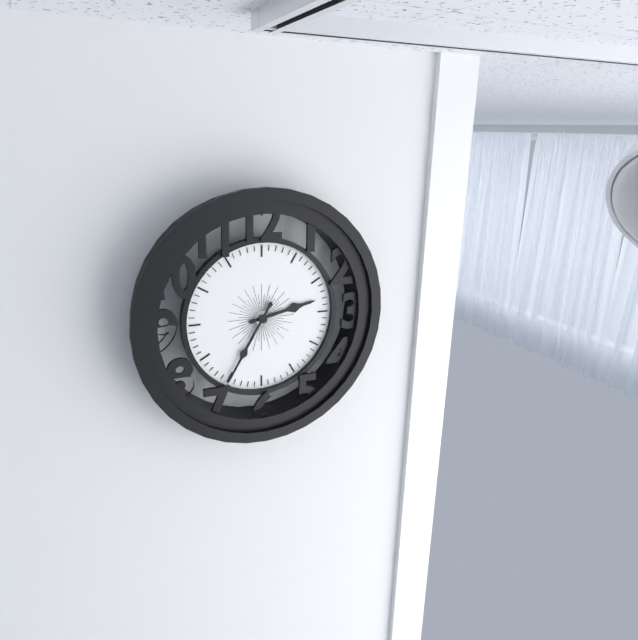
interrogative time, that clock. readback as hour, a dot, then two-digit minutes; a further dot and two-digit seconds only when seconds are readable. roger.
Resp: 2.35
